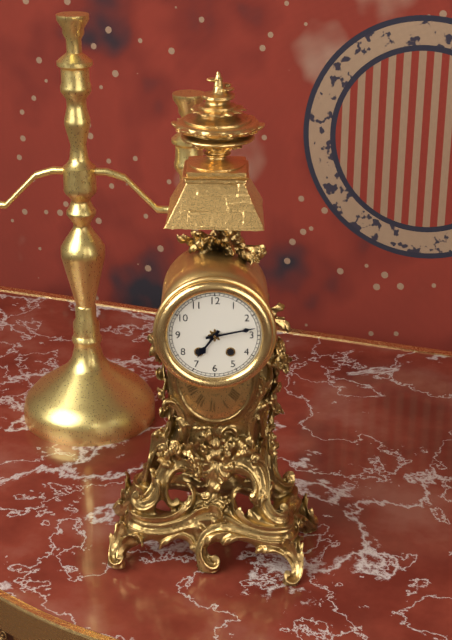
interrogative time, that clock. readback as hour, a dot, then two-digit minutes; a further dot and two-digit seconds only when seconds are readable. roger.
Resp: 7.13
